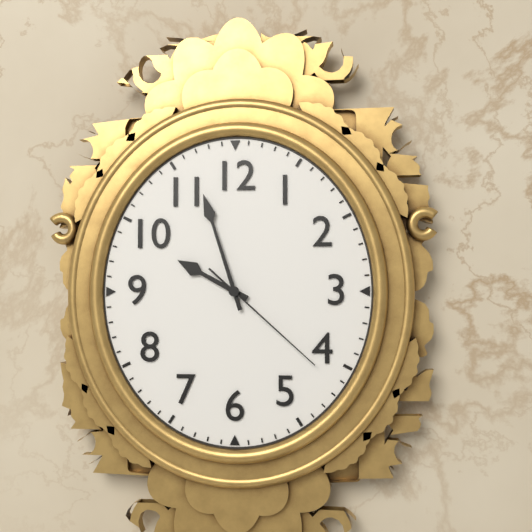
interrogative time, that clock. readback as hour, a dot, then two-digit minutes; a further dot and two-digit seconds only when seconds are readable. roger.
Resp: 9.57.22
